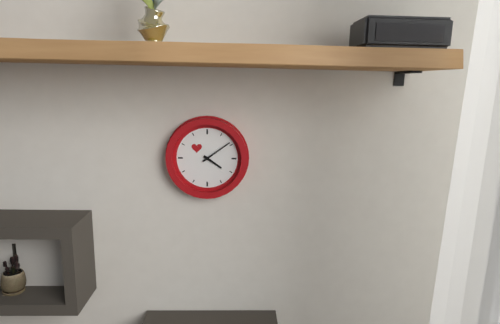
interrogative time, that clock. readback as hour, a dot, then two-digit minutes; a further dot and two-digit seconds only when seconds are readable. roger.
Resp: 4.09
